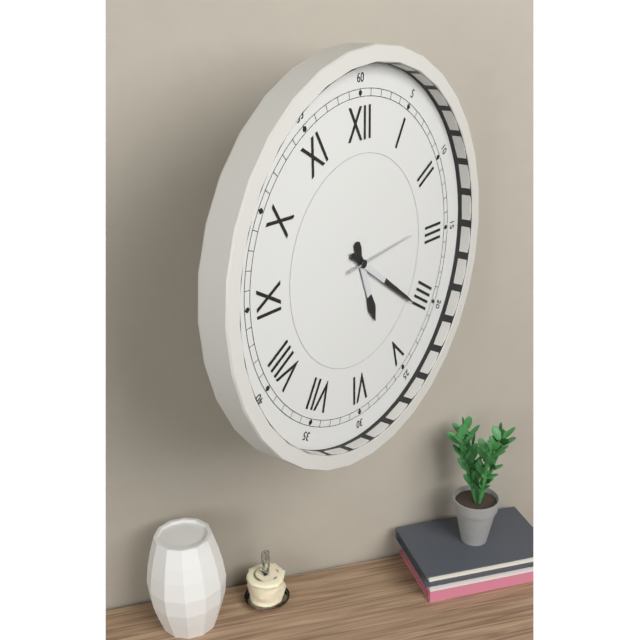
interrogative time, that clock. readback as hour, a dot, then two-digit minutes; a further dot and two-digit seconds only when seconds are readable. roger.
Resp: 5.21.14
